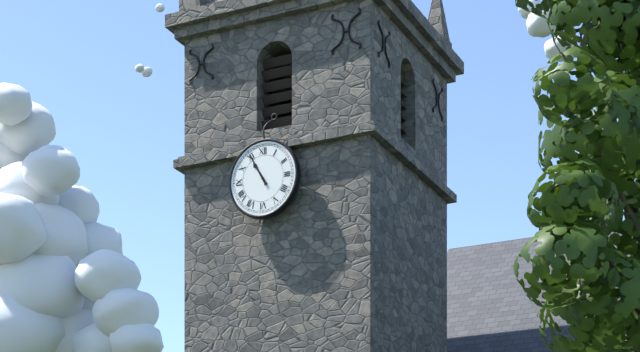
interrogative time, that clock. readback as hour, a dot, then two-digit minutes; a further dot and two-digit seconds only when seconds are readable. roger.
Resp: 10.55
